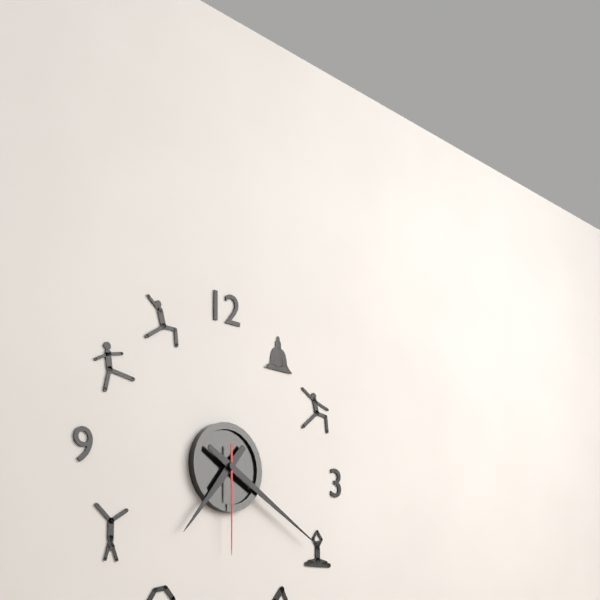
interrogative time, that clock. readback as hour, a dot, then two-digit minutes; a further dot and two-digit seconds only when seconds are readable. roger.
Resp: 7.20.30
